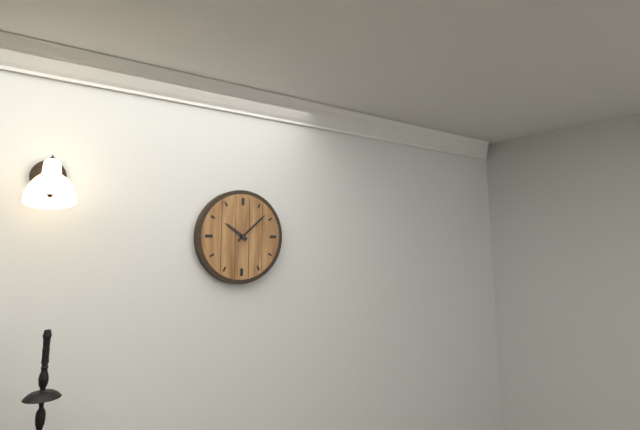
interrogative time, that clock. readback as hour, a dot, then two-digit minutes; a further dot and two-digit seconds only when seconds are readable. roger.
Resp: 10.08
